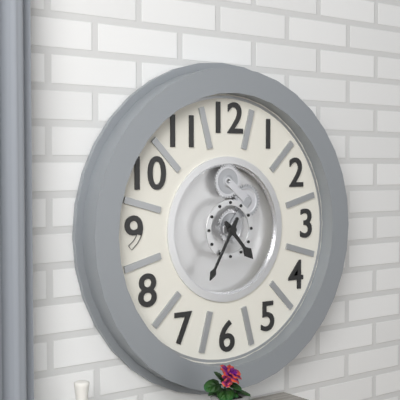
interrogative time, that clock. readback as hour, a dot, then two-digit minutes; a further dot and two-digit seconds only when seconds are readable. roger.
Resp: 4.35
